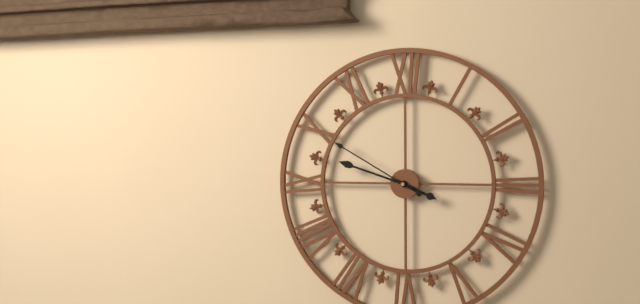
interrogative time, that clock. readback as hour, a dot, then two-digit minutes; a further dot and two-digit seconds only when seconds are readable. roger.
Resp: 3.48.50
